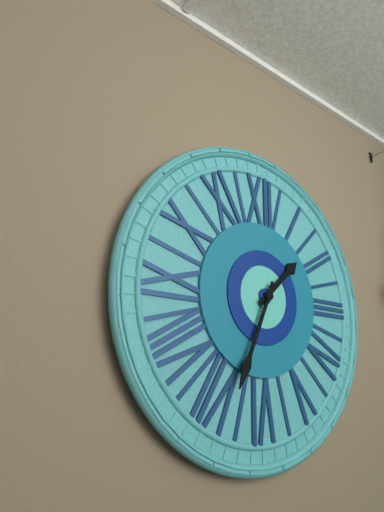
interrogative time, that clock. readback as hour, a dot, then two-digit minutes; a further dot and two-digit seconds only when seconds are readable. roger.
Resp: 1.34
